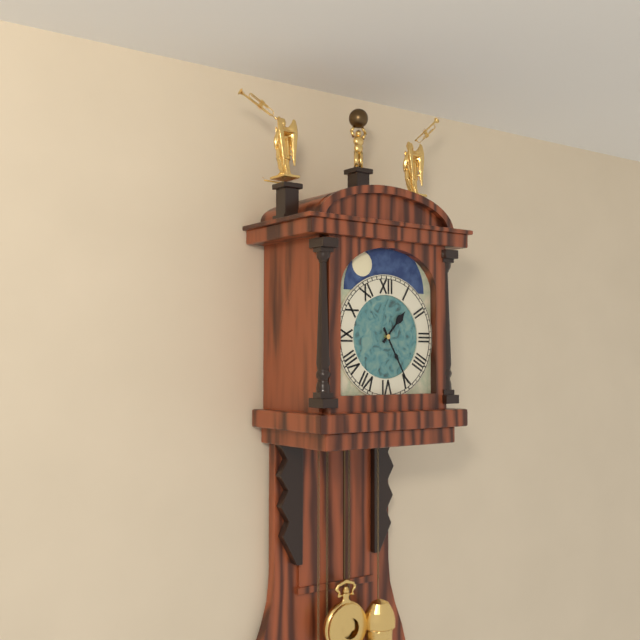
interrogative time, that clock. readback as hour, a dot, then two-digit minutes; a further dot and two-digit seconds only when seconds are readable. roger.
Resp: 1.25
